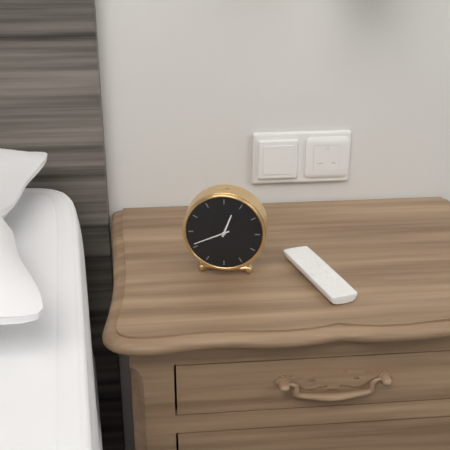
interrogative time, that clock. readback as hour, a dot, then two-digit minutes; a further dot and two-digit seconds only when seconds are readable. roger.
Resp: 12.41
